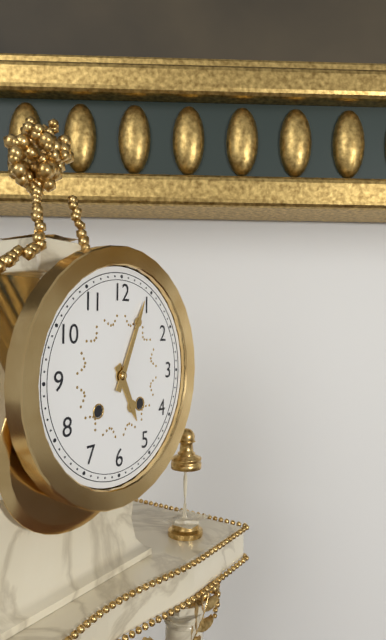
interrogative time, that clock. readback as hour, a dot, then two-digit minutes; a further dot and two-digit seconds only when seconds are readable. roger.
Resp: 5.04
